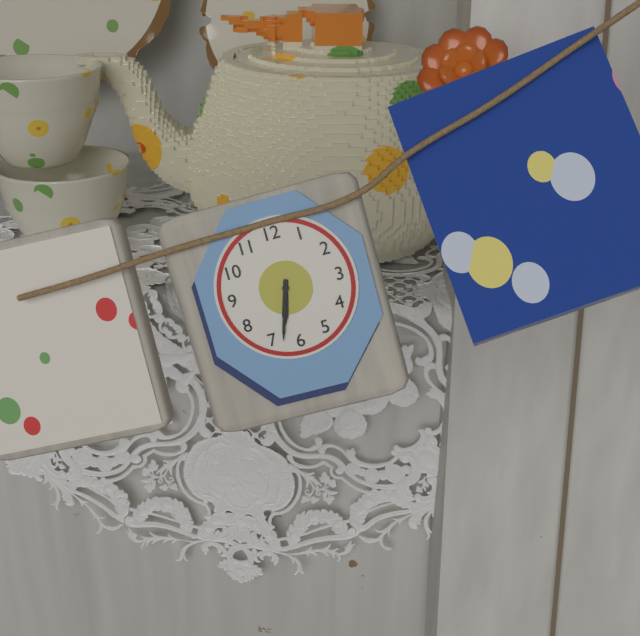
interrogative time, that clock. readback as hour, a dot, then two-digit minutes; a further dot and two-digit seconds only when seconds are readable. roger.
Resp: 6.33
